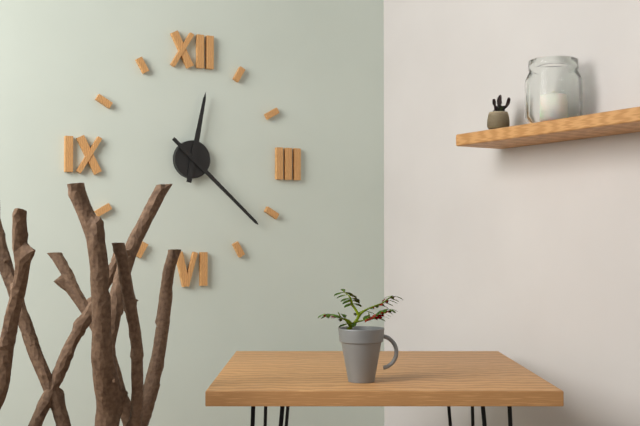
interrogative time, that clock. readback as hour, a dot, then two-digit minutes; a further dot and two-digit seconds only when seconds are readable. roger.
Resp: 12.22
